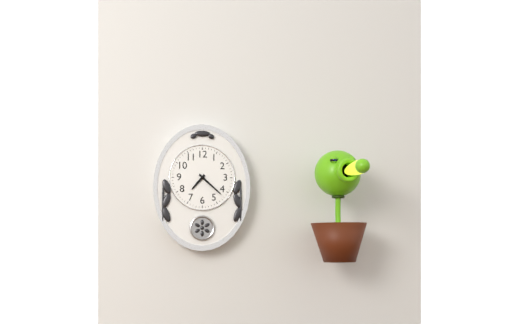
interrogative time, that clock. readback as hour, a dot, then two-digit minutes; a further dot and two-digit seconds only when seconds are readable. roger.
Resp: 7.22
